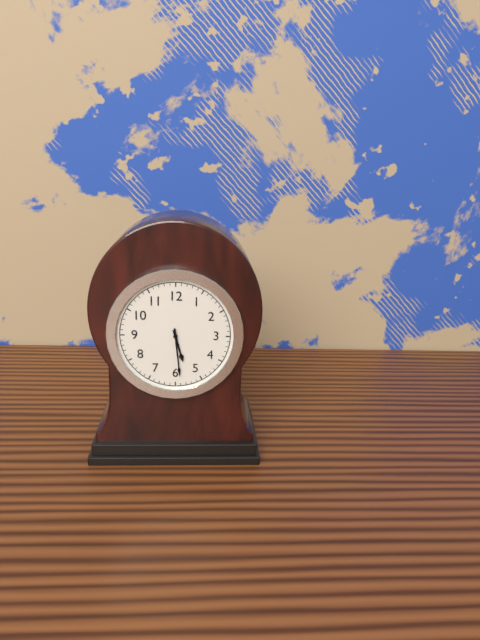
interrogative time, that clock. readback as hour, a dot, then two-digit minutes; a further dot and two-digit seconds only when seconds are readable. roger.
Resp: 5.29
